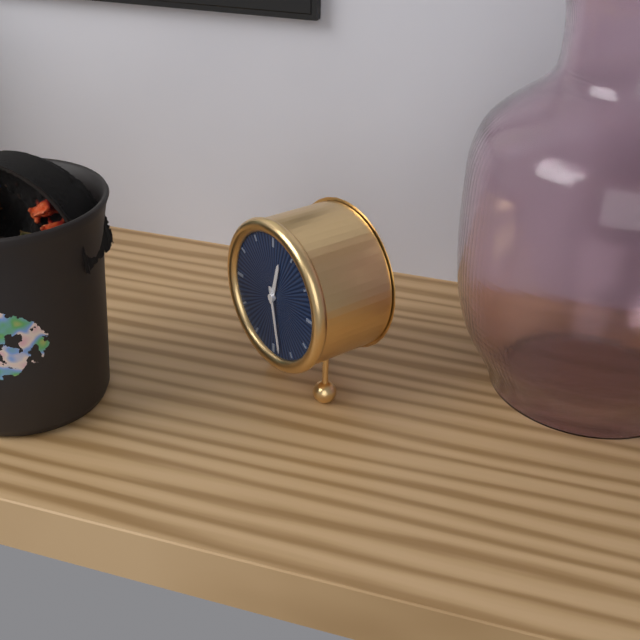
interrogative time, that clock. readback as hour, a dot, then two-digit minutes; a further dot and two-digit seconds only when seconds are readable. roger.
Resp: 12.28
